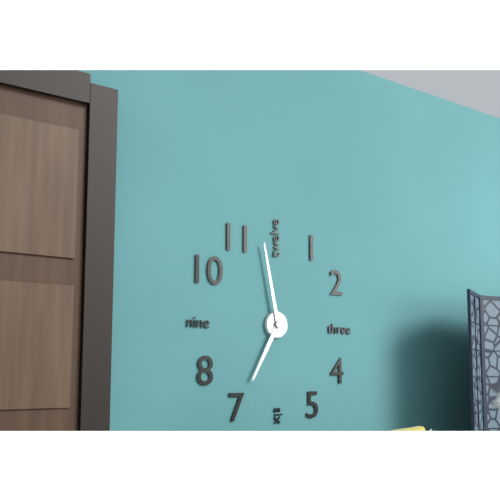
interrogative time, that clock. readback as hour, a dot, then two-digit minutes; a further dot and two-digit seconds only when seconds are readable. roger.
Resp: 6.58
